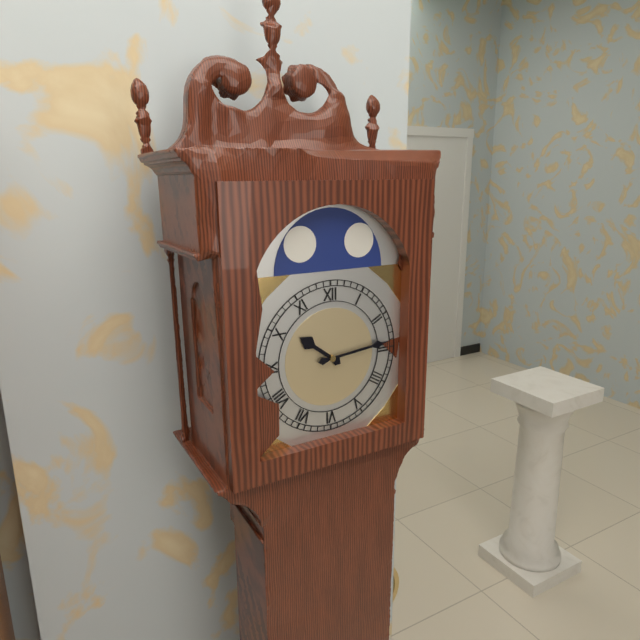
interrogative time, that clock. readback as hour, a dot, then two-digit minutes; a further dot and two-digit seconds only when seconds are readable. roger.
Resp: 10.14
